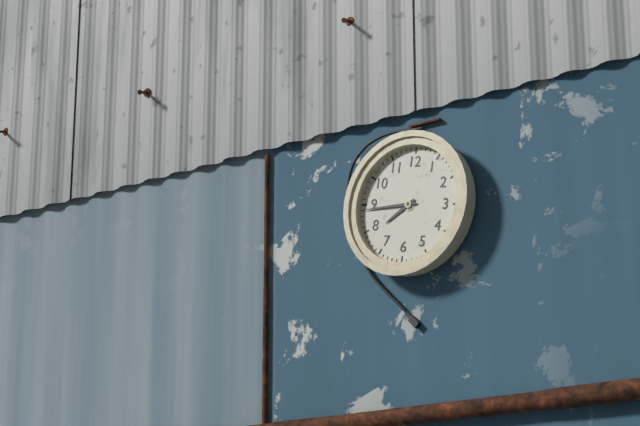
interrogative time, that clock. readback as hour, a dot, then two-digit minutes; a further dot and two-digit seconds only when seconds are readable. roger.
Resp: 7.44
